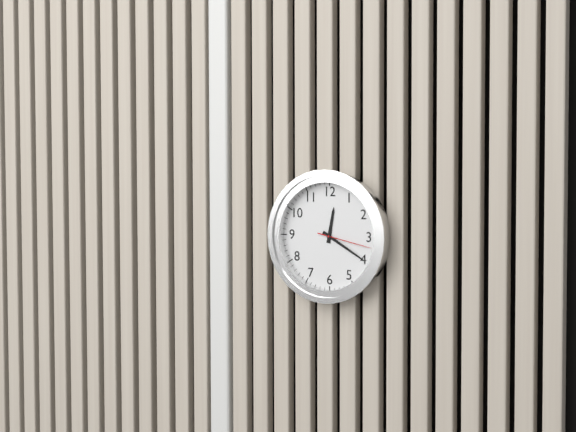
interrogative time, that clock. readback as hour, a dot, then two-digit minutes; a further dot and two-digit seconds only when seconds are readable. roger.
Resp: 12.20.17
